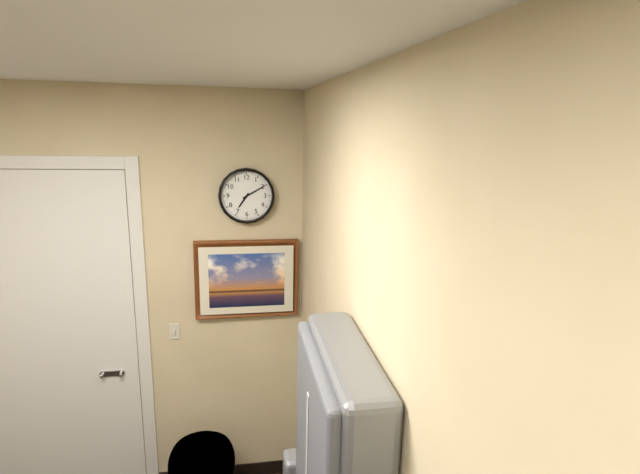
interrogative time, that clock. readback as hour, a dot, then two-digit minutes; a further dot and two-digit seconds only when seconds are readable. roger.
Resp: 7.10
